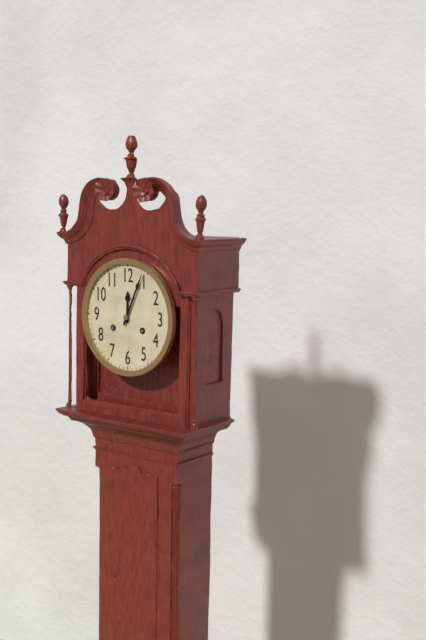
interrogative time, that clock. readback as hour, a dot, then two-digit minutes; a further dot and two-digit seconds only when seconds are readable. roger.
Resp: 12.04
